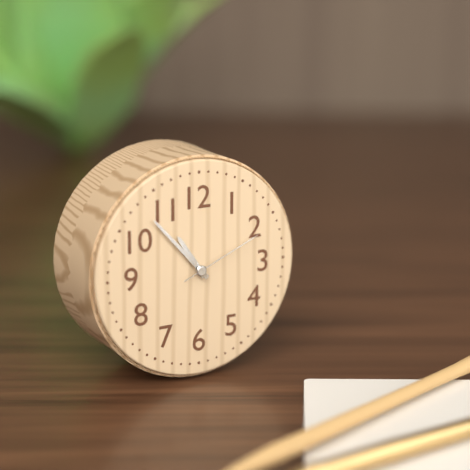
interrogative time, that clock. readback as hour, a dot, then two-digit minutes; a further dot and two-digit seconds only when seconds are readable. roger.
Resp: 10.53.11
